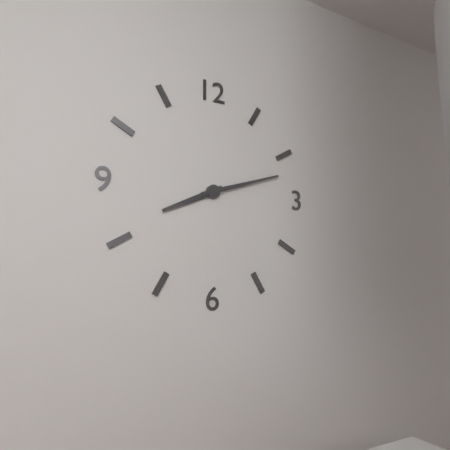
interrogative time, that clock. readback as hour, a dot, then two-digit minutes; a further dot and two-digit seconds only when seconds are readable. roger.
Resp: 8.12
